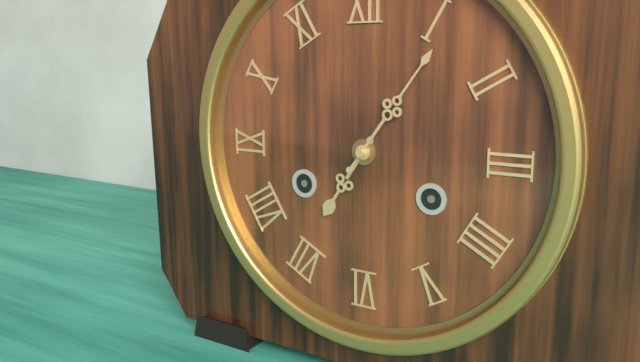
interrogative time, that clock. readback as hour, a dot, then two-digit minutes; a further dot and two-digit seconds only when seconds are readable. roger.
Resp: 7.06
